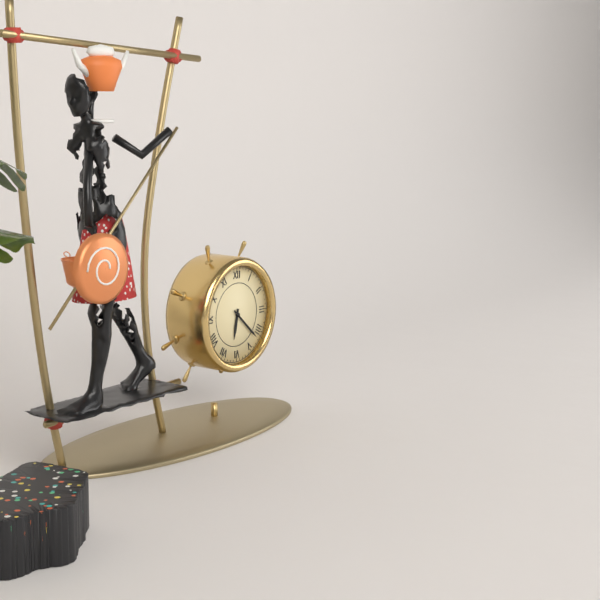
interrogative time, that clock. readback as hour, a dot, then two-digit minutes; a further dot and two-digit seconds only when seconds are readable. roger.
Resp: 6.22
